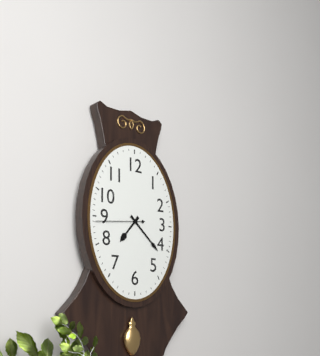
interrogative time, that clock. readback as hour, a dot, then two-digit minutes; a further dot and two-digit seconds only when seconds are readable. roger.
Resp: 7.22.44
